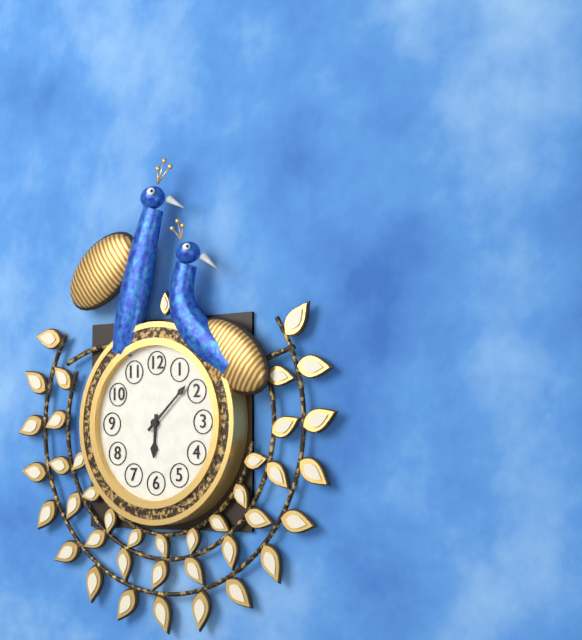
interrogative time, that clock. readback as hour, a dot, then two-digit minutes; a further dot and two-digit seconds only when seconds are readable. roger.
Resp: 6.08
